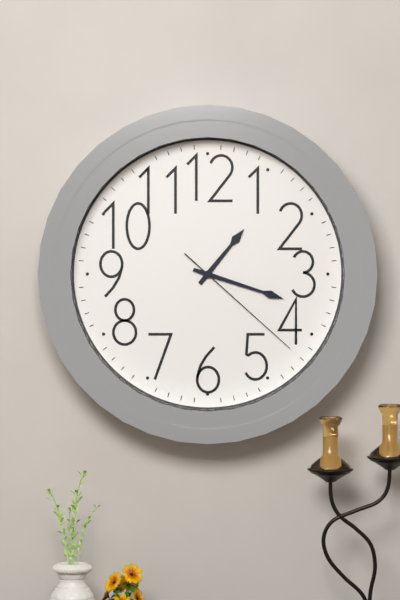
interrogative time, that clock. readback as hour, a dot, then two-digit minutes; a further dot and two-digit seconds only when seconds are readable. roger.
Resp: 1.18.22
